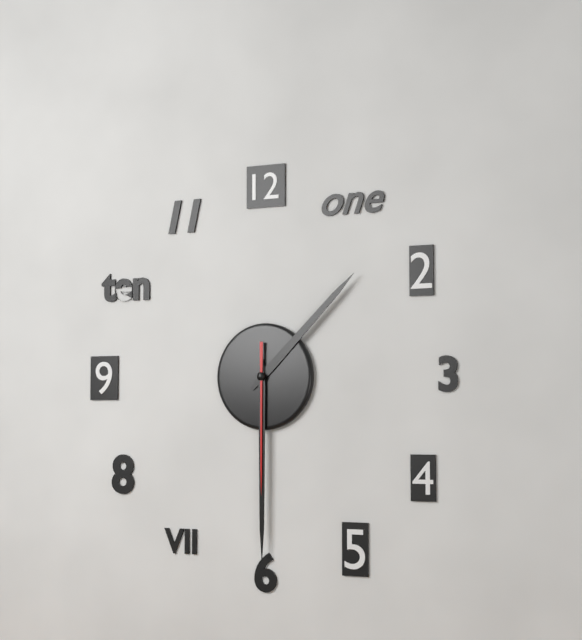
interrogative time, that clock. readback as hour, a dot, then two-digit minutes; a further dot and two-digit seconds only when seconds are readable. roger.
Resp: 1.30.30
